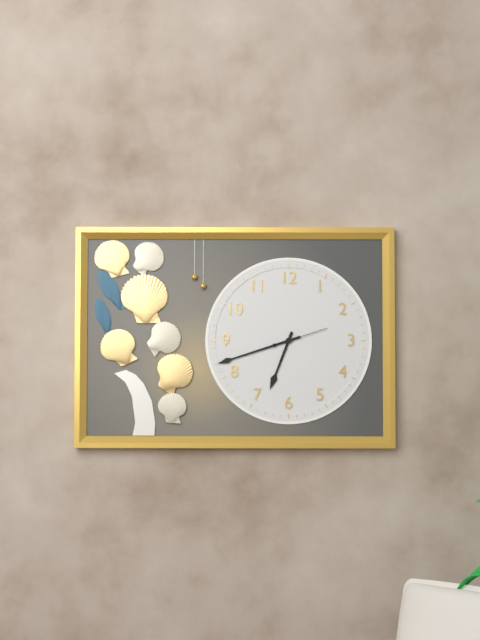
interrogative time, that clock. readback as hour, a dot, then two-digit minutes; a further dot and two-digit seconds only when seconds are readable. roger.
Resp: 6.42.12
